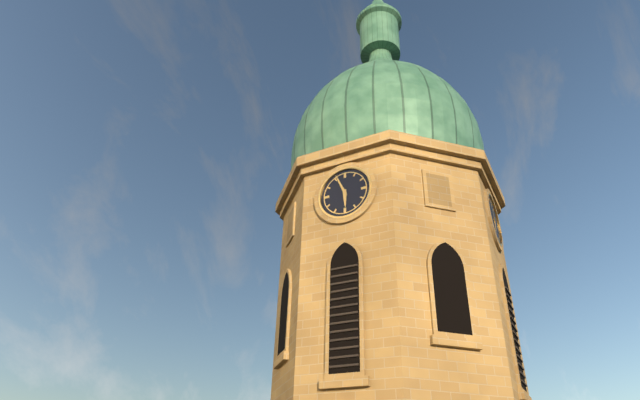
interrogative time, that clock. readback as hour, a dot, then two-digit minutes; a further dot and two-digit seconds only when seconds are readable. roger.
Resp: 5.56
